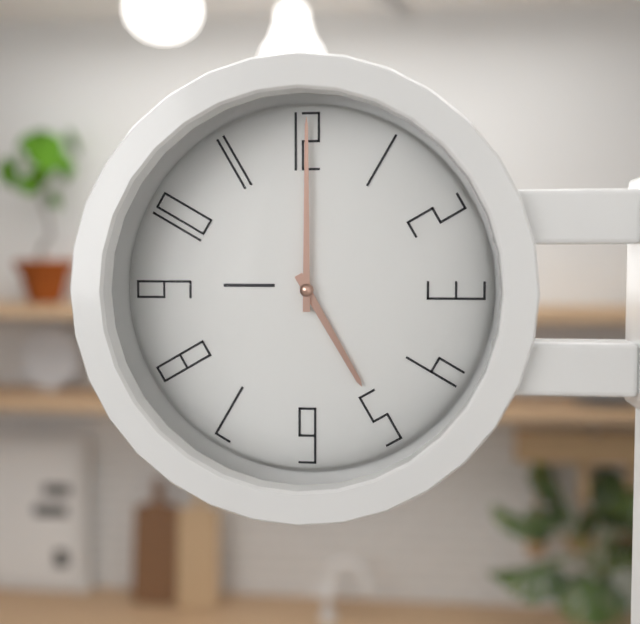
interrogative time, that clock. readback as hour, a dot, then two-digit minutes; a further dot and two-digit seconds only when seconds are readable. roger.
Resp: 5.00
